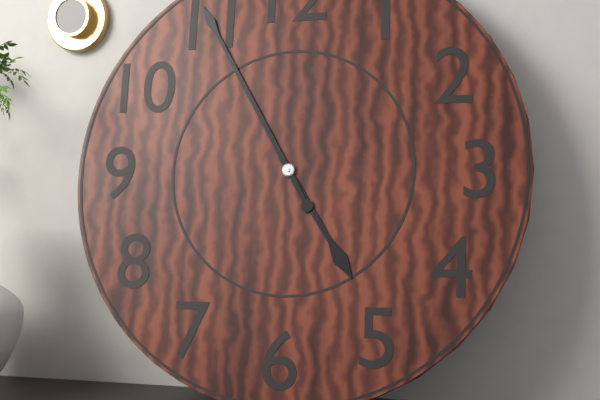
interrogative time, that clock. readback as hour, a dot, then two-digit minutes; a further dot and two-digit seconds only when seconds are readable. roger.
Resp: 4.55
